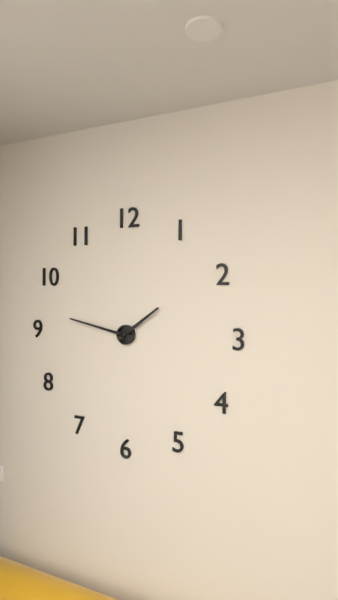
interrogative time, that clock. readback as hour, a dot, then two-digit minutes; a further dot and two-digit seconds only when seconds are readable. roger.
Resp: 1.47
